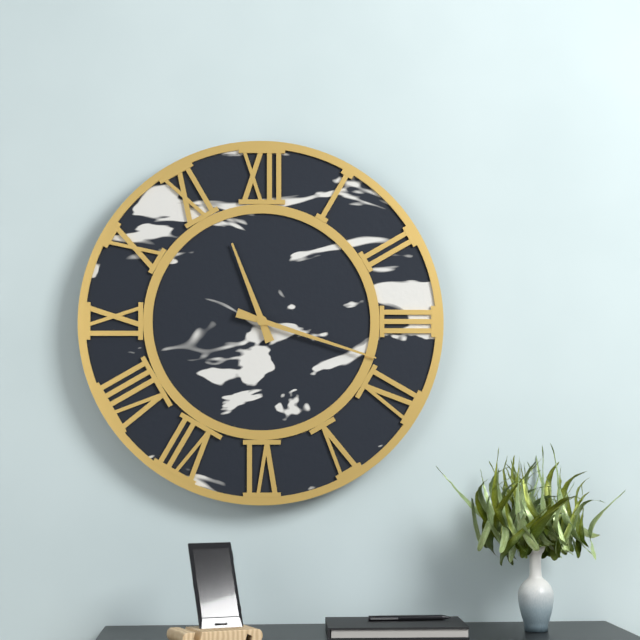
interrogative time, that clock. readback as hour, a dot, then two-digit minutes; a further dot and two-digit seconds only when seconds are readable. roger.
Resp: 11.18
